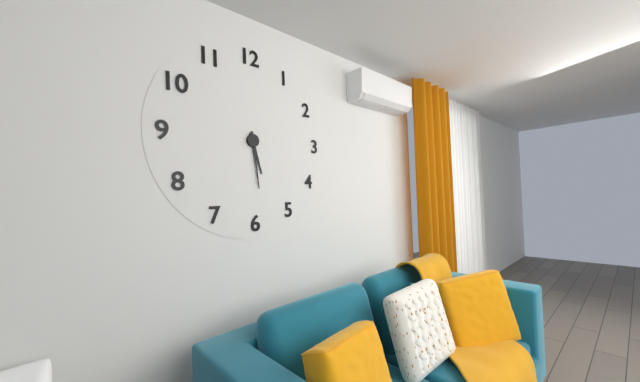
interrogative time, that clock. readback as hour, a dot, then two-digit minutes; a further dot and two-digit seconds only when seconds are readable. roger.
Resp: 5.29
